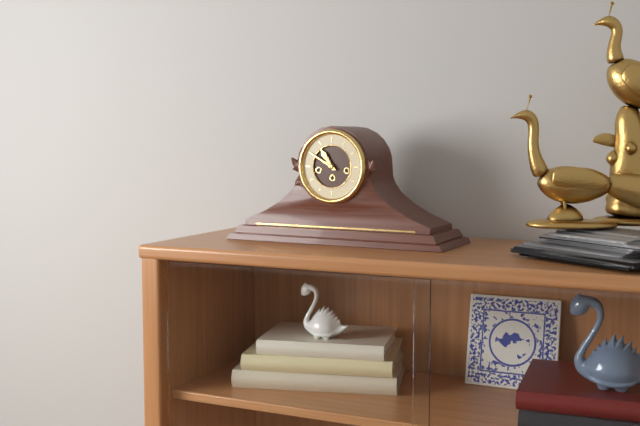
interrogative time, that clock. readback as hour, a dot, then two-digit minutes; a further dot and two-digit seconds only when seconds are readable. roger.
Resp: 10.50
